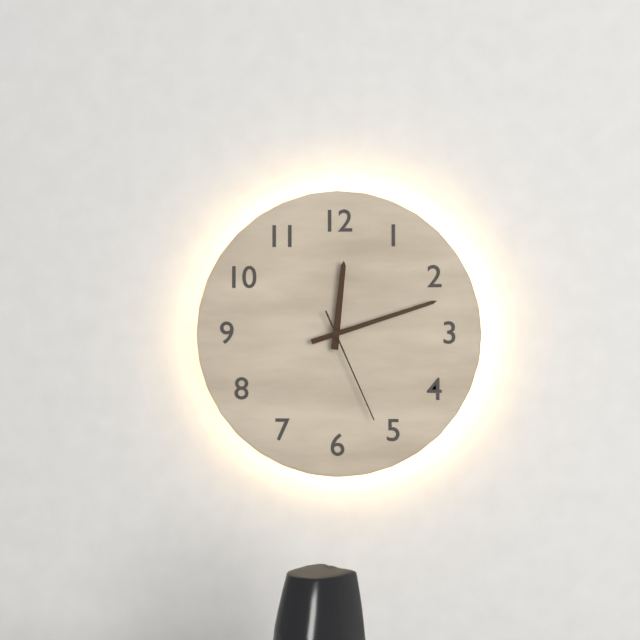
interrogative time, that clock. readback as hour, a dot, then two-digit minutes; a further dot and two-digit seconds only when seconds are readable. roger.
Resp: 12.12.26
